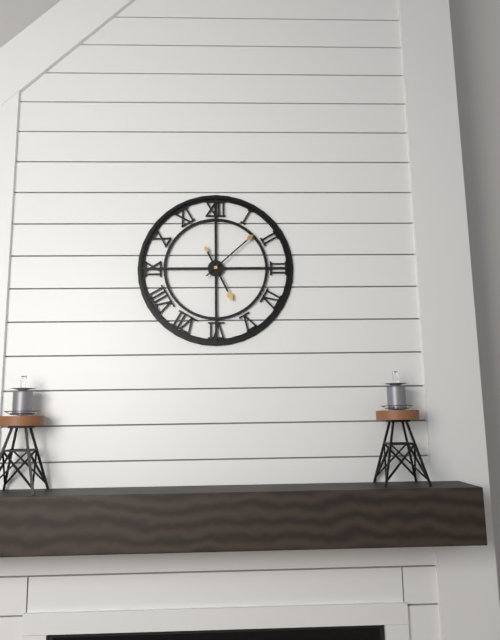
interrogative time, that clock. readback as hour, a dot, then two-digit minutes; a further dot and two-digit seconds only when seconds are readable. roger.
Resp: 5.08
